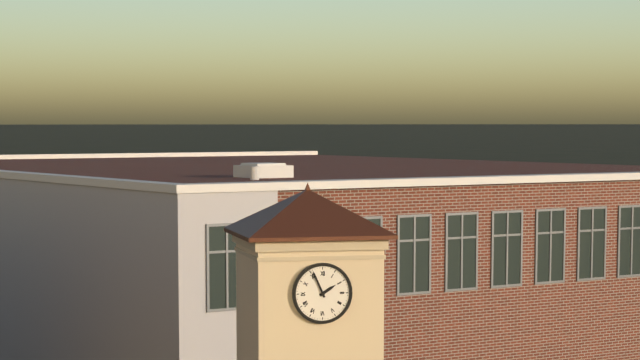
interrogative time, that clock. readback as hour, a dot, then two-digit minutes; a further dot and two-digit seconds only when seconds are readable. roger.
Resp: 1.56
